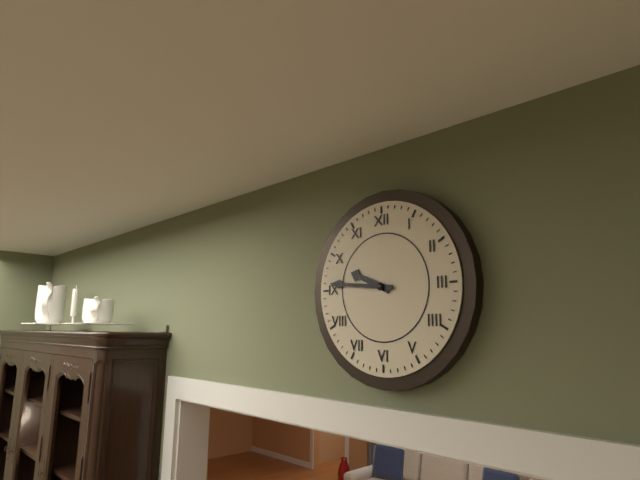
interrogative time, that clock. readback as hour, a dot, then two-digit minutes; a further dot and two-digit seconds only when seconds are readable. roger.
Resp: 9.46
